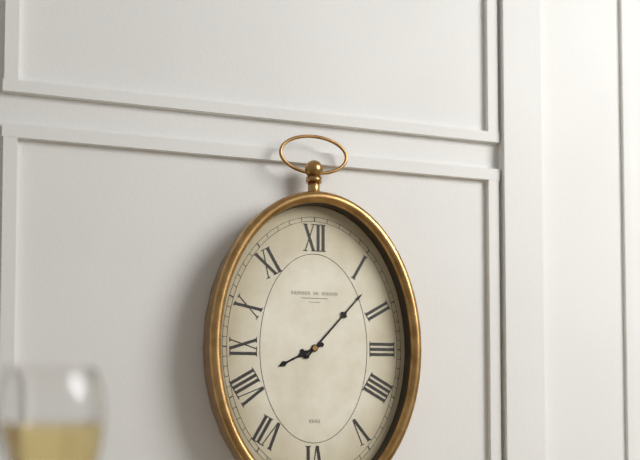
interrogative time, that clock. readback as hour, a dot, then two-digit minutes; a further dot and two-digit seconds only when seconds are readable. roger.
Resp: 8.07
